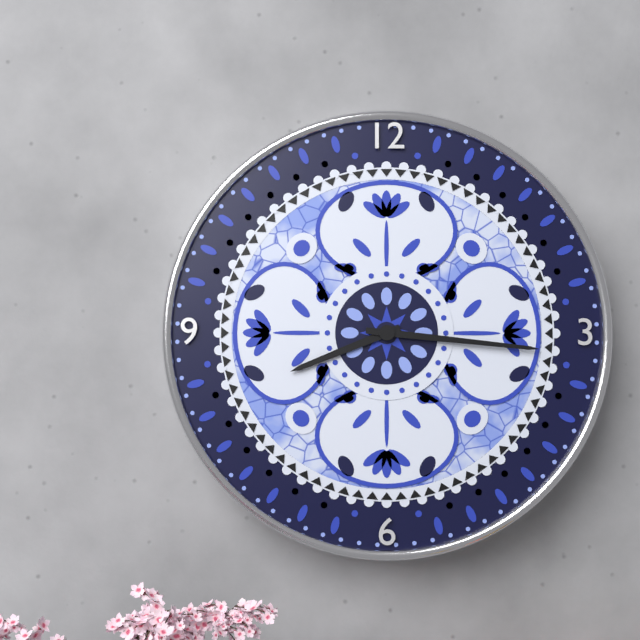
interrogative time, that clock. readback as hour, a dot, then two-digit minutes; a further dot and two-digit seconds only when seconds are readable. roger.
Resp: 8.16
